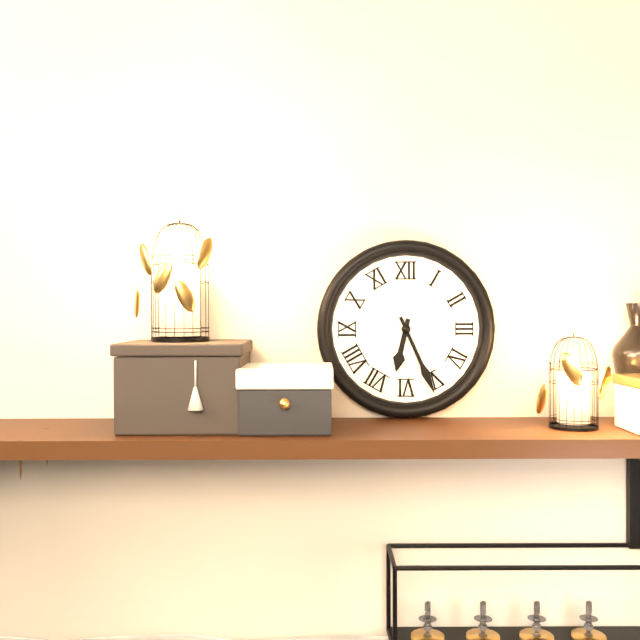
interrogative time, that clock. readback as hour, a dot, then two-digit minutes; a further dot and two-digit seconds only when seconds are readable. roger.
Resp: 6.26
